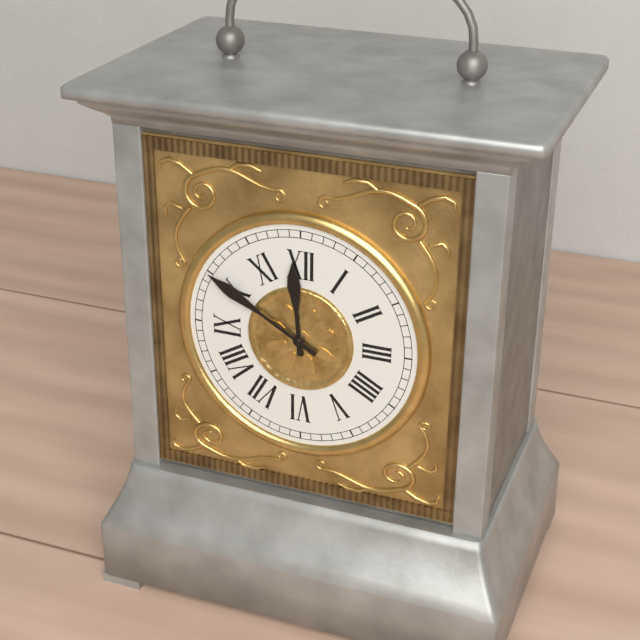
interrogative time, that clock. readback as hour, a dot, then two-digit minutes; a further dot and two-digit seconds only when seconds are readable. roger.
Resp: 11.50
